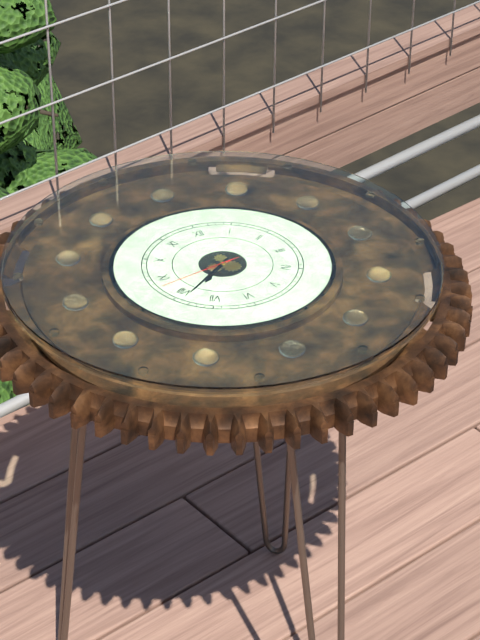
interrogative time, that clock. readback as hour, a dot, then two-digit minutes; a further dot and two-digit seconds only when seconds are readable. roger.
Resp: 7.39.43
